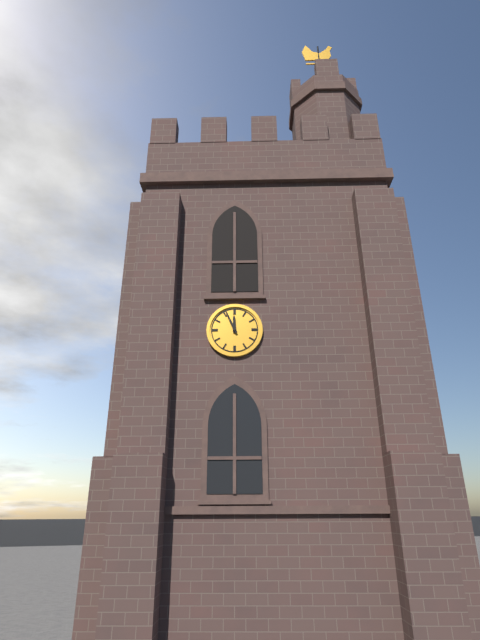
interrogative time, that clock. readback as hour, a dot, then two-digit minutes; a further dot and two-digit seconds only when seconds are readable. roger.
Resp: 11.56
